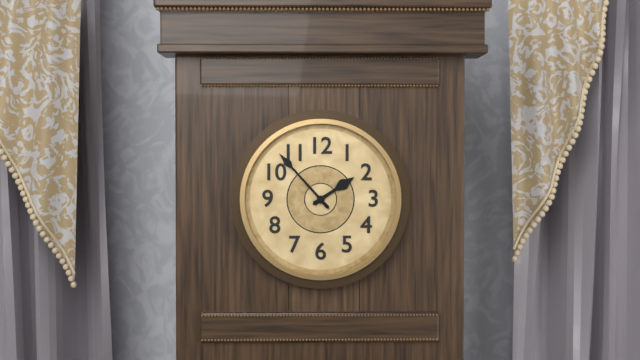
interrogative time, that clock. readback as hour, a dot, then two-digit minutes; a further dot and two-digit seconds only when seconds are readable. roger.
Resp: 1.53
